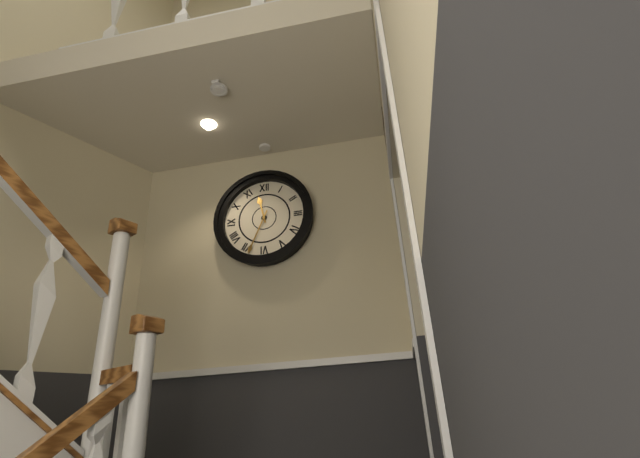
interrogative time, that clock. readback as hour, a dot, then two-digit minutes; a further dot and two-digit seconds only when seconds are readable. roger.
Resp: 11.34
